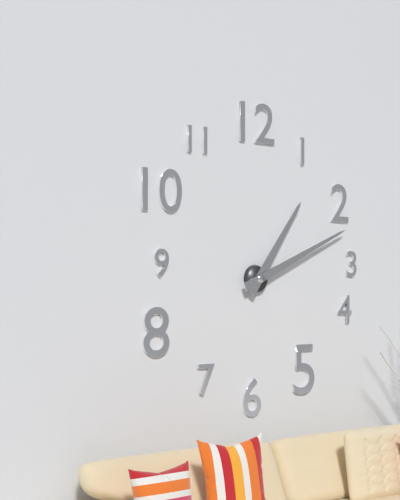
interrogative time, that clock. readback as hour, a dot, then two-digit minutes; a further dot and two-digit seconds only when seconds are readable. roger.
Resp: 1.11
